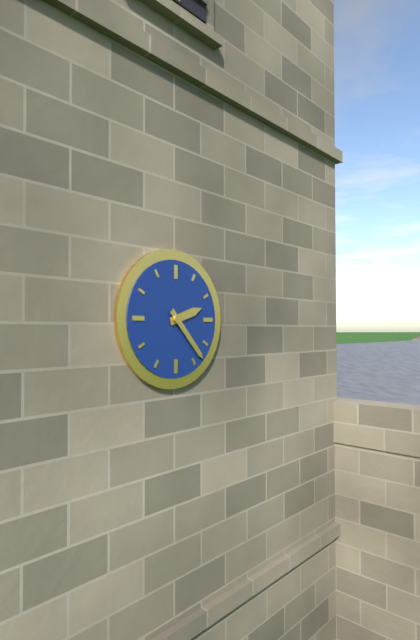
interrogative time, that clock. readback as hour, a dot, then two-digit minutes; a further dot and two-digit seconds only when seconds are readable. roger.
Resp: 2.23
